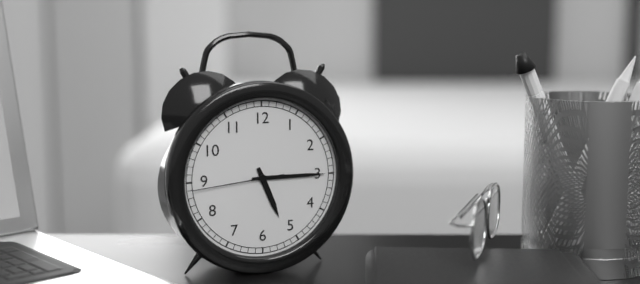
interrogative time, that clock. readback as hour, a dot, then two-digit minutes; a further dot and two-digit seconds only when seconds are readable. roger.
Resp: 5.15.44
